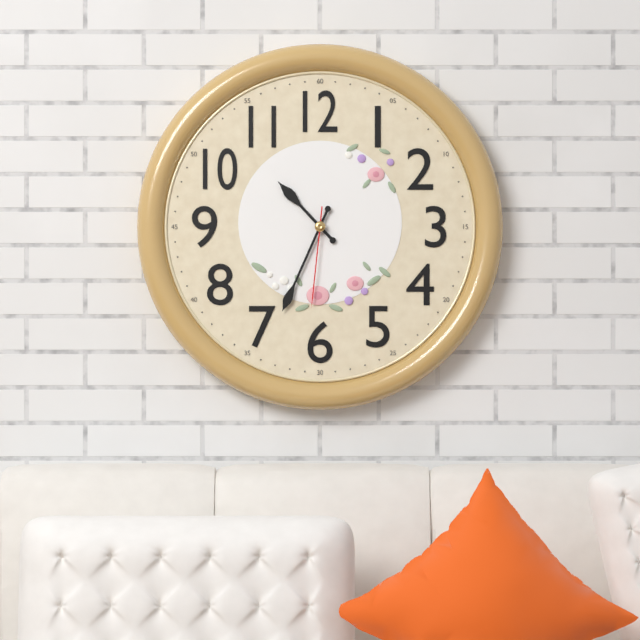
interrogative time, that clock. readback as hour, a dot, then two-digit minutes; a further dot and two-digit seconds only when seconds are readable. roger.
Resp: 10.34.31
